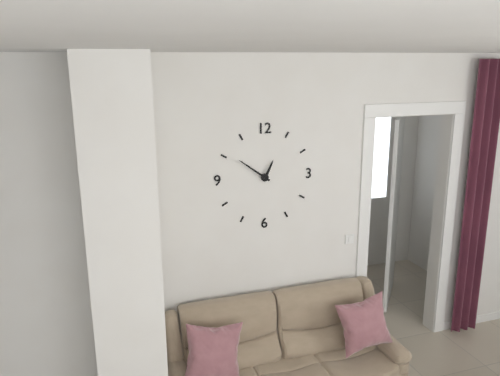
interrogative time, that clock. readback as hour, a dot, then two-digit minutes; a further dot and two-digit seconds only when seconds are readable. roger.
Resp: 12.51
